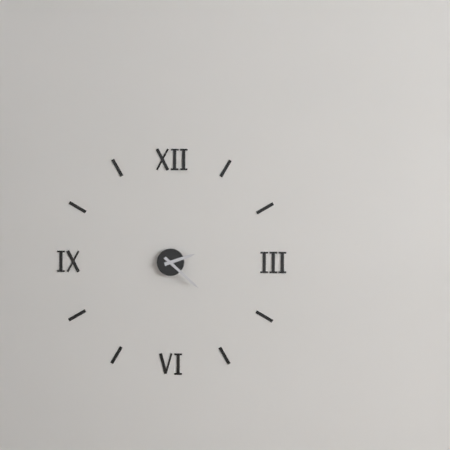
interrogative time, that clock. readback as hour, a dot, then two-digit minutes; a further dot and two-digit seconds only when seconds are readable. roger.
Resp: 2.22
